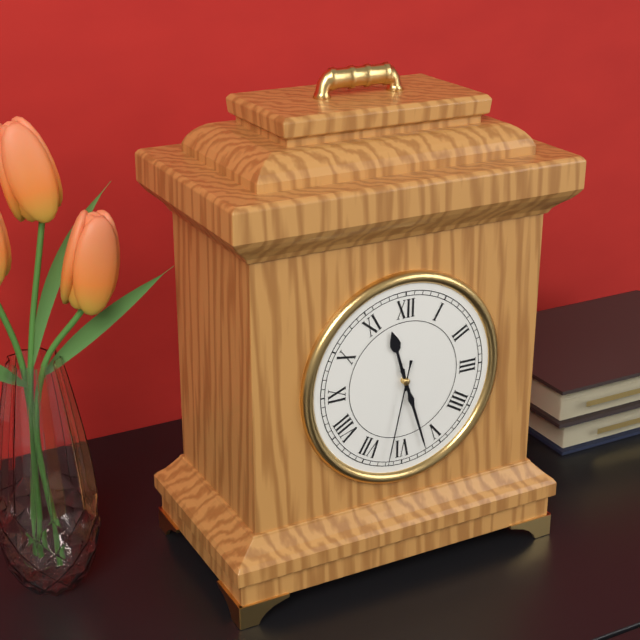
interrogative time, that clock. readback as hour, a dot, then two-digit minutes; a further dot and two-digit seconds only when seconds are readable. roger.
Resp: 11.27.32
